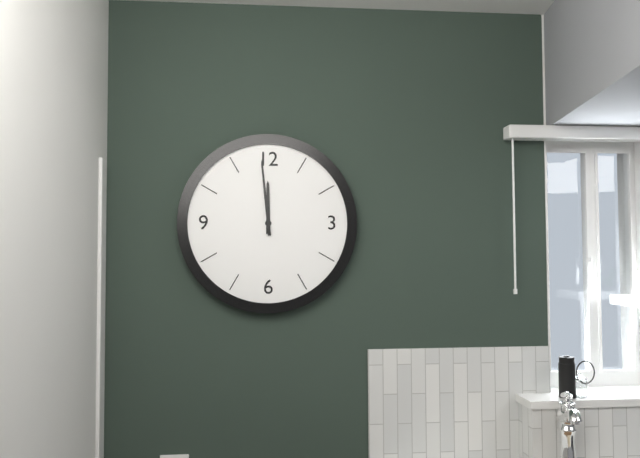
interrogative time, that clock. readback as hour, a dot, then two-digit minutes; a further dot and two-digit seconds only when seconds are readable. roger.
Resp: 11.59
